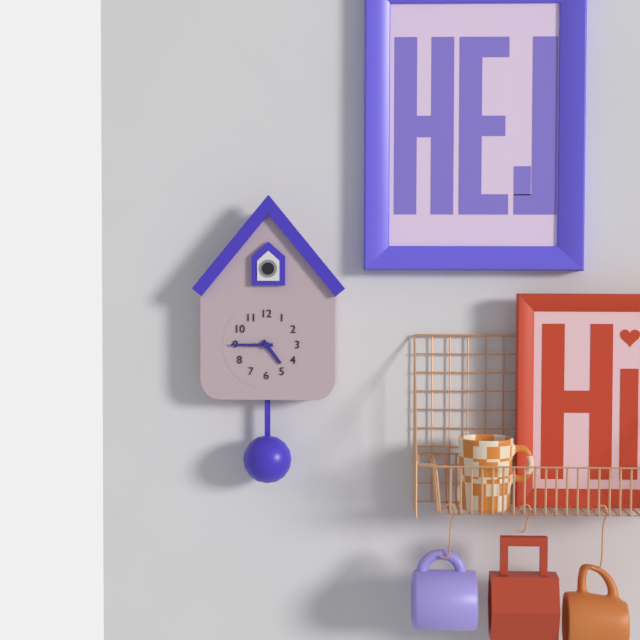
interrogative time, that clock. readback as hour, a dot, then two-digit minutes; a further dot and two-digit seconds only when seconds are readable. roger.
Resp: 4.45
